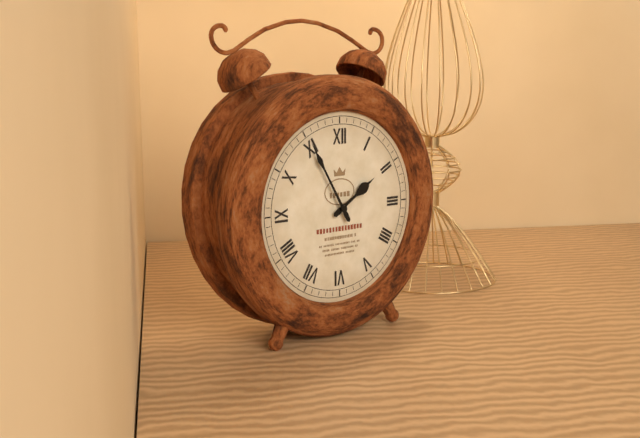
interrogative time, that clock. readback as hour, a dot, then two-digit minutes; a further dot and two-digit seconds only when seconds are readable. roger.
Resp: 1.55
